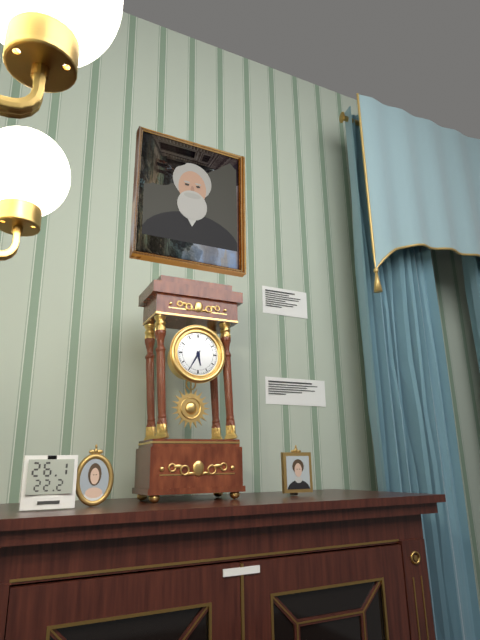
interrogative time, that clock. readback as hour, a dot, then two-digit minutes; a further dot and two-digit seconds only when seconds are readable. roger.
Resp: 5.35
